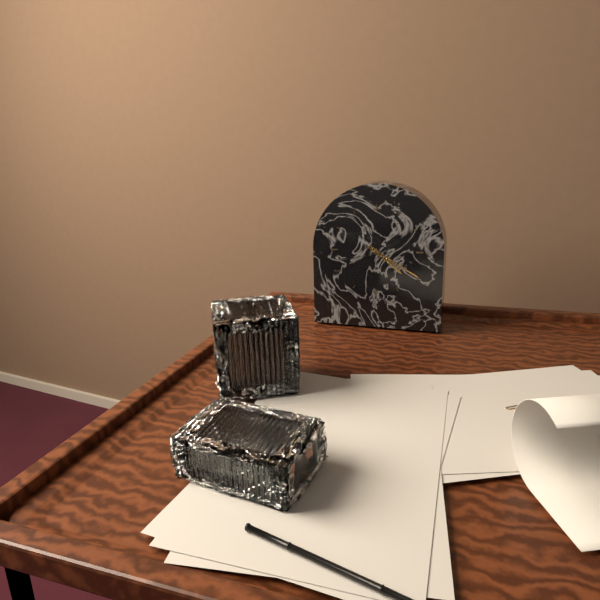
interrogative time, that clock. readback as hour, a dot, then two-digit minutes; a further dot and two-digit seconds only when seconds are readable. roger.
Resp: 4.20
